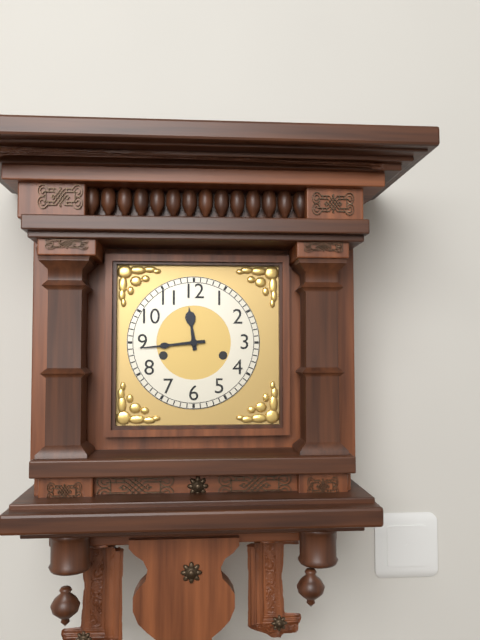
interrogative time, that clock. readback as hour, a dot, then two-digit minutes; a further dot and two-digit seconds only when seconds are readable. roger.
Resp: 11.44
